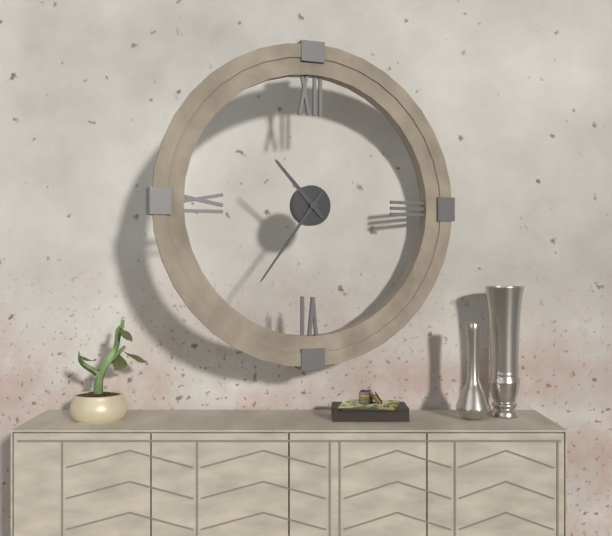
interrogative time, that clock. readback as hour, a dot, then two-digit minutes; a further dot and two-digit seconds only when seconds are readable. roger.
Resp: 10.36
